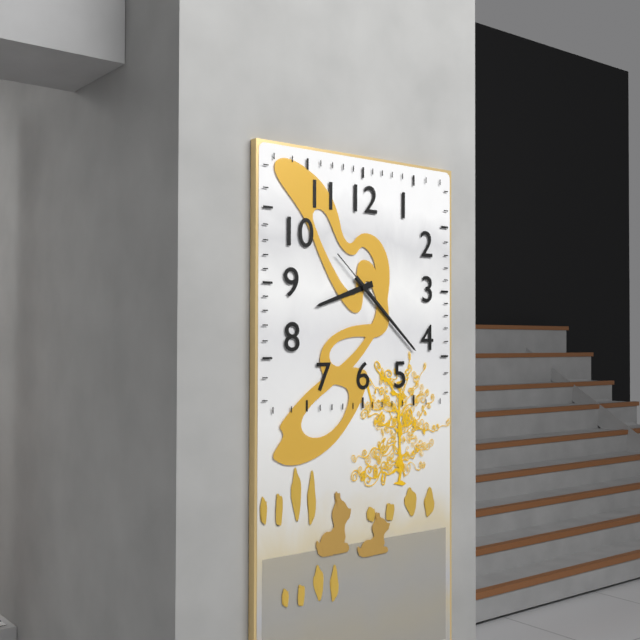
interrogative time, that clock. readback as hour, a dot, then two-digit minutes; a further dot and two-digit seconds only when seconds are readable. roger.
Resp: 8.22.22
